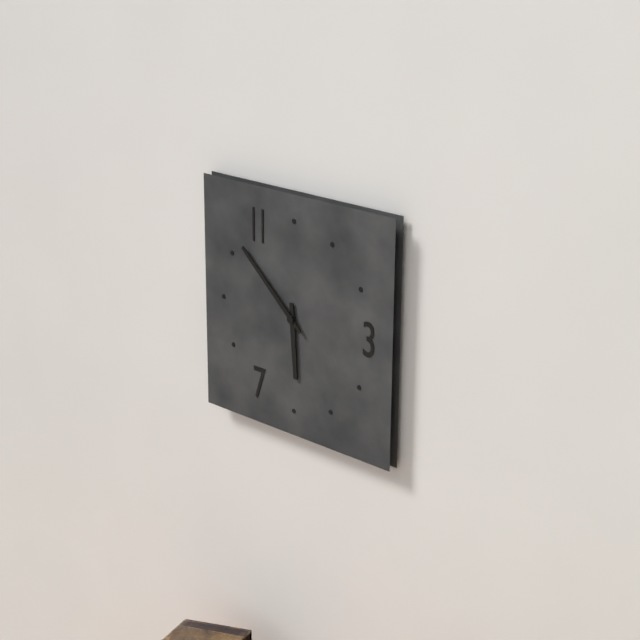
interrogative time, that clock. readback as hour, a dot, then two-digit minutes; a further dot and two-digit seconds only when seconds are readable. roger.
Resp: 5.52
